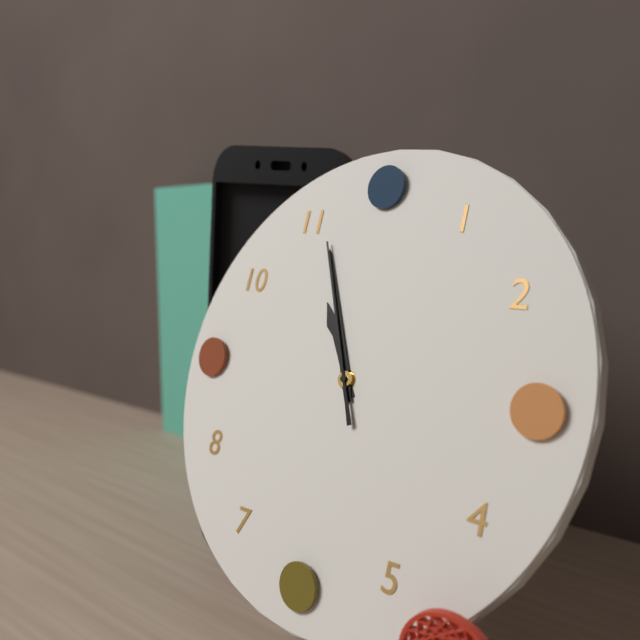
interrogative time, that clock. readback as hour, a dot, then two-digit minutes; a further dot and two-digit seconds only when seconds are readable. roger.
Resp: 10.56.56
